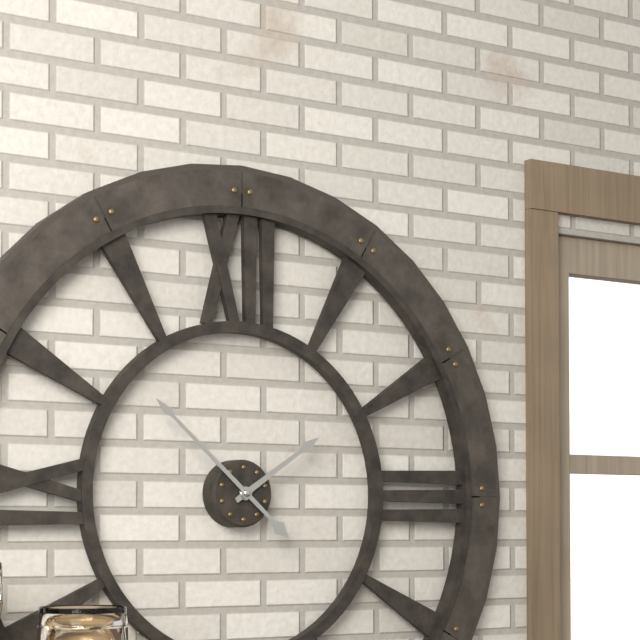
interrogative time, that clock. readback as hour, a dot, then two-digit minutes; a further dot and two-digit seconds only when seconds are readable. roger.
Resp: 1.52
